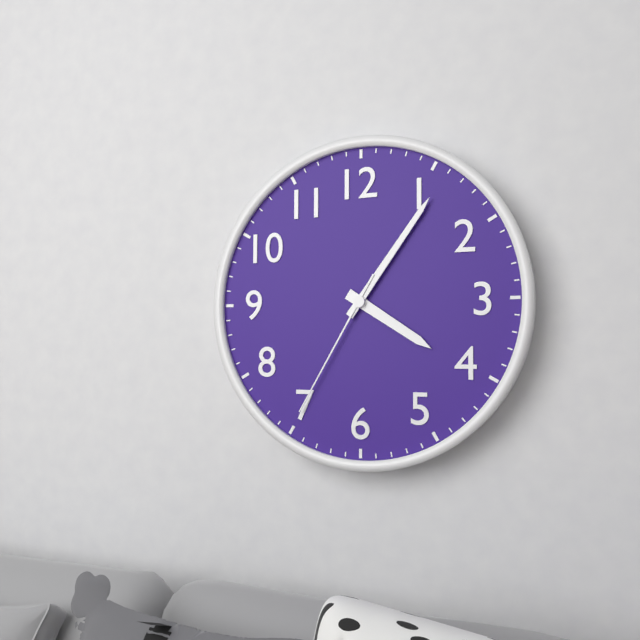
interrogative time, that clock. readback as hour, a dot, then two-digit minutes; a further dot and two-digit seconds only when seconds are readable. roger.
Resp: 4.06.35
